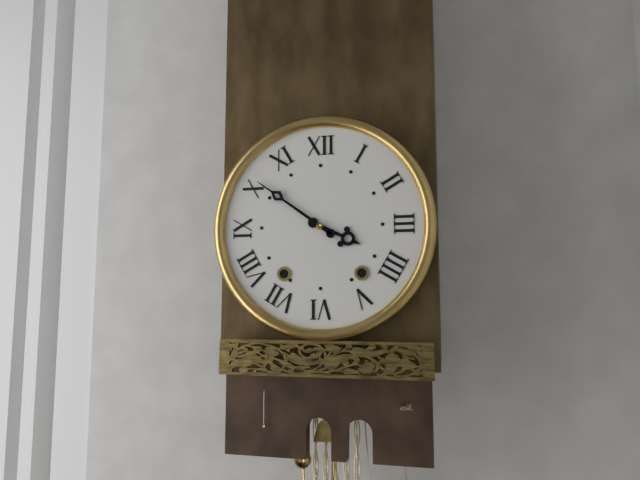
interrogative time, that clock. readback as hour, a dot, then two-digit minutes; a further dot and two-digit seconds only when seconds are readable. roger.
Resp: 3.51
